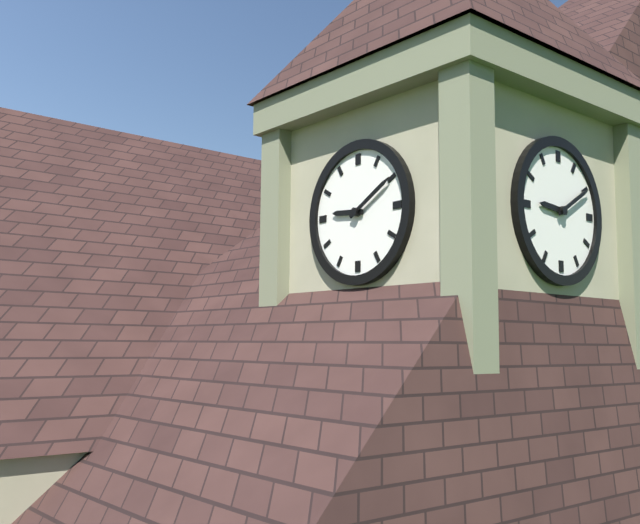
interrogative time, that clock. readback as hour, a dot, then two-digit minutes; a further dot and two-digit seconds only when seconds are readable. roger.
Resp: 9.10
